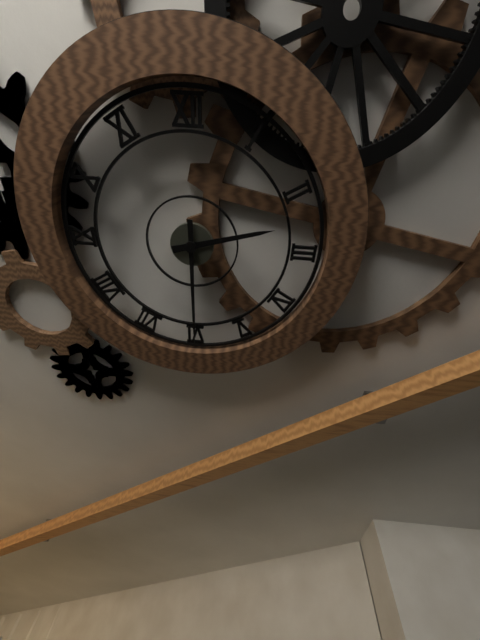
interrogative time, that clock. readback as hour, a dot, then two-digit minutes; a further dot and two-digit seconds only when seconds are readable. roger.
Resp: 2.30
